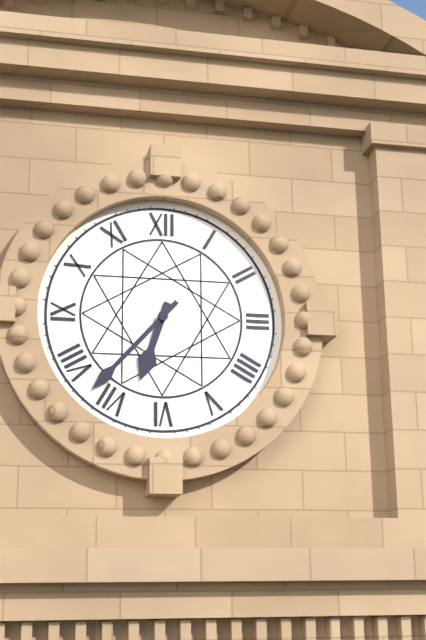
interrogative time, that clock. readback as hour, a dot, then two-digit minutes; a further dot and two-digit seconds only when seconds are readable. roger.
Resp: 6.37
